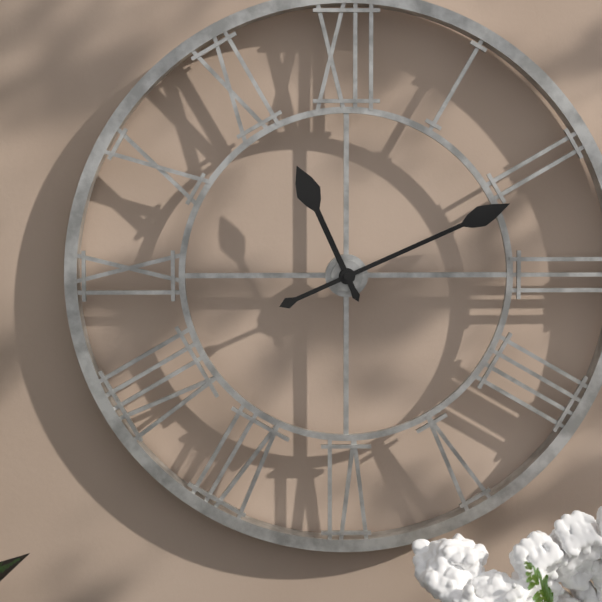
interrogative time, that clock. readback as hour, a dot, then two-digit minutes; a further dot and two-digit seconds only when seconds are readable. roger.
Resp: 11.11
